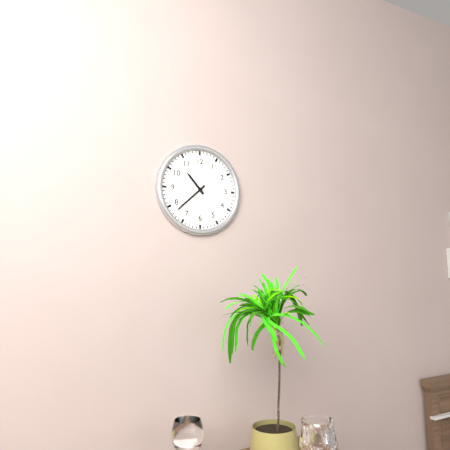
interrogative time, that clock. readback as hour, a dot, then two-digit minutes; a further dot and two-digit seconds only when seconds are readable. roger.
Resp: 10.38
